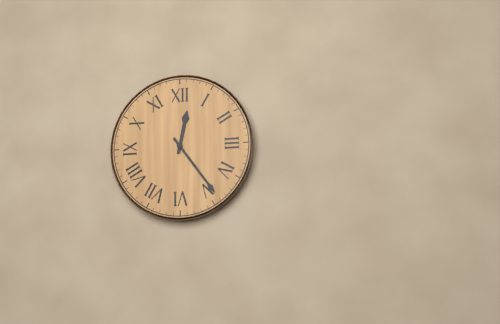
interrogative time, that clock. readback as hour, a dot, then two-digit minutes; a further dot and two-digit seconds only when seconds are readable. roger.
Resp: 12.24
